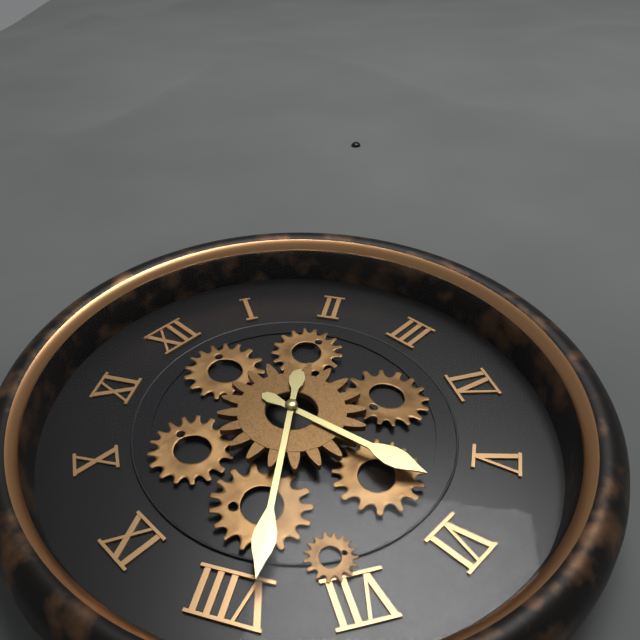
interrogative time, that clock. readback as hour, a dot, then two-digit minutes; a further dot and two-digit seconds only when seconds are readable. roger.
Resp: 5.39
